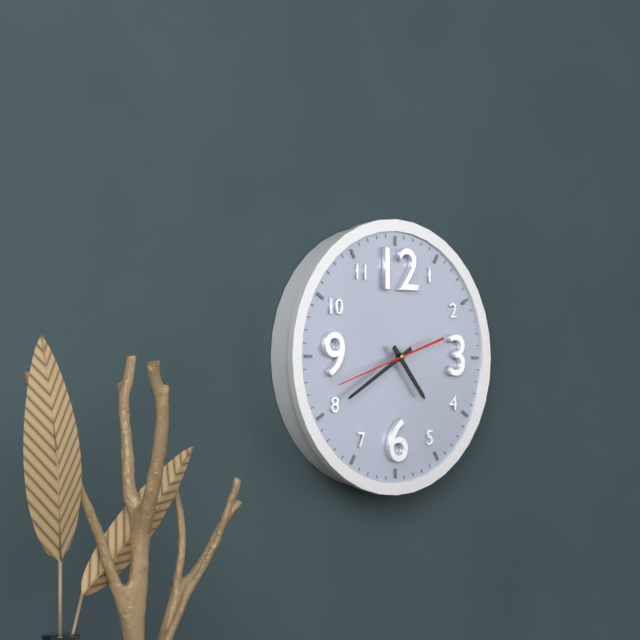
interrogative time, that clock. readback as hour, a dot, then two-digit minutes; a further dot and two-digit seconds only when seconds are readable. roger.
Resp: 4.40.42
